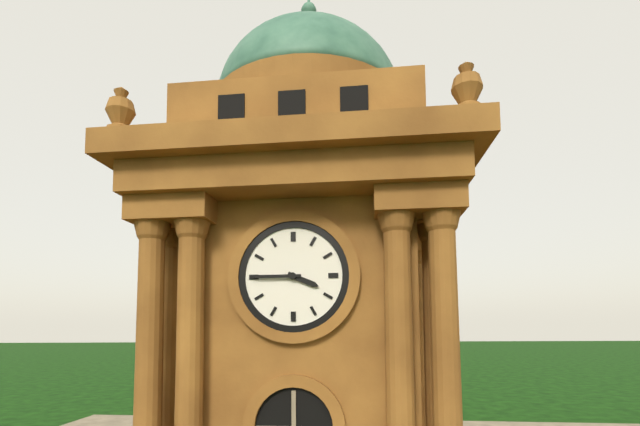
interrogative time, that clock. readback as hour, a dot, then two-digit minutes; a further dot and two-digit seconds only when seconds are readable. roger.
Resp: 3.45
